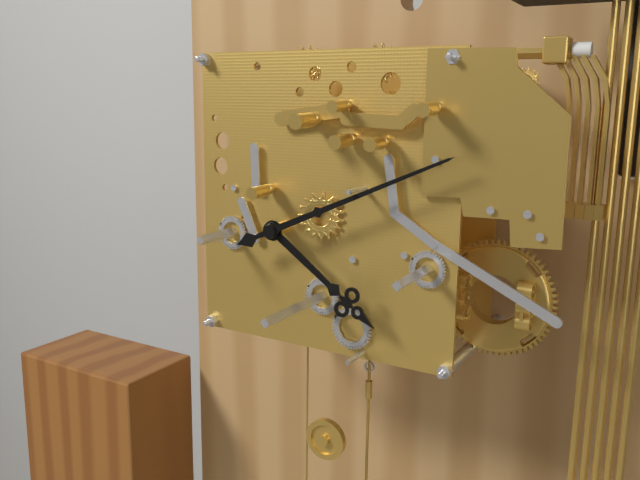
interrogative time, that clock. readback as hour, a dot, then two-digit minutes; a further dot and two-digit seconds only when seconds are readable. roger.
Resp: 4.11
